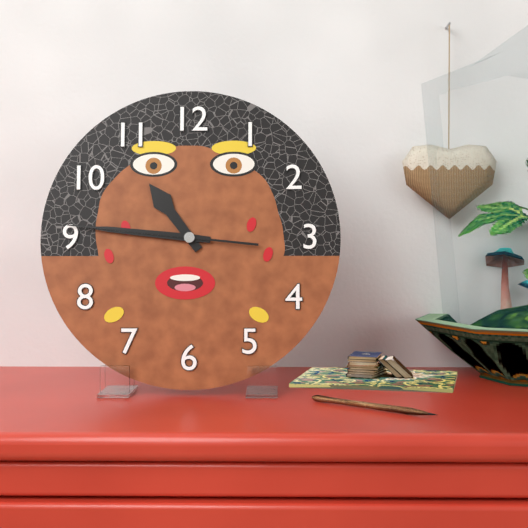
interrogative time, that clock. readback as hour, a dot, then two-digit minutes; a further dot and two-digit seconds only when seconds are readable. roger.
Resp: 10.46.46
